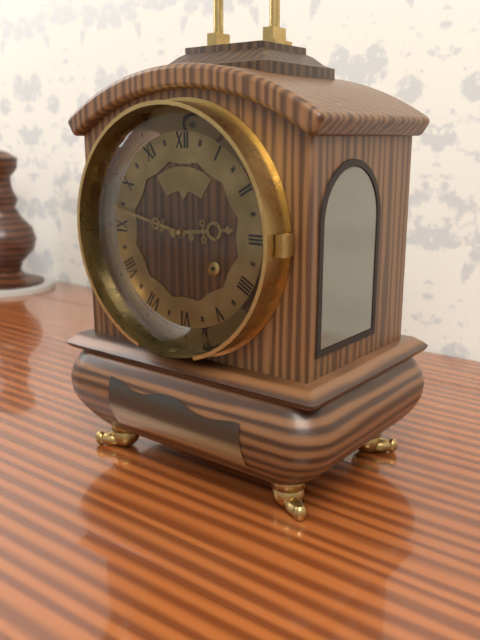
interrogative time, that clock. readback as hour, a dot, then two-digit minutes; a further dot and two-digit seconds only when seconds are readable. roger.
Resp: 2.47
